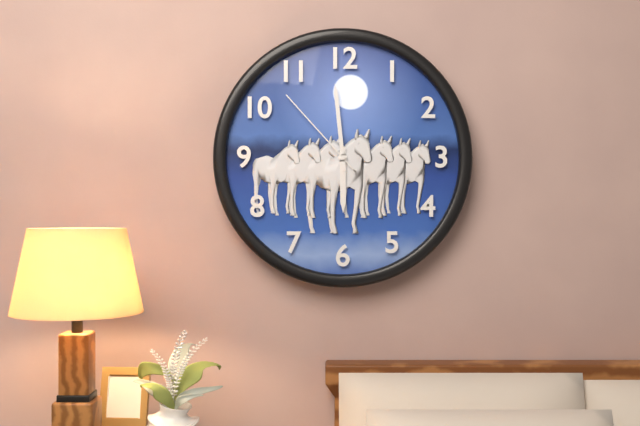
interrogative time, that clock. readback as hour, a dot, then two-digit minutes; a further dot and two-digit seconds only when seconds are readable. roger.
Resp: 5.59.53
